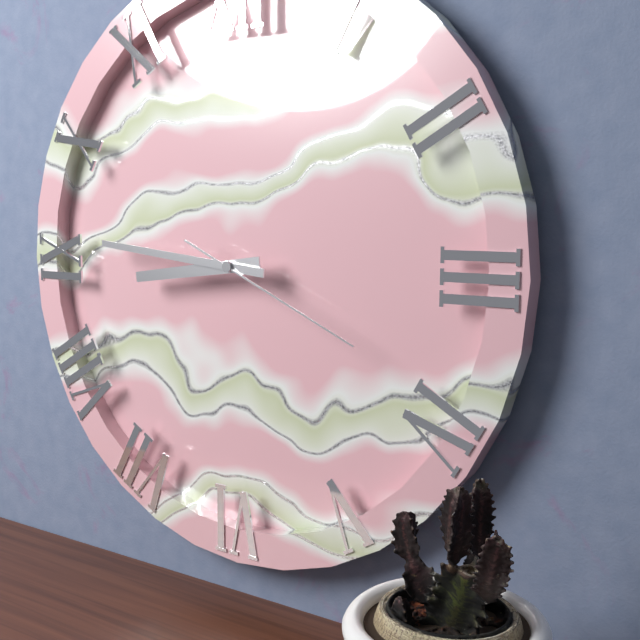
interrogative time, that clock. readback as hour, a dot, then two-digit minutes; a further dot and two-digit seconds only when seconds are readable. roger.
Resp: 8.46.19
